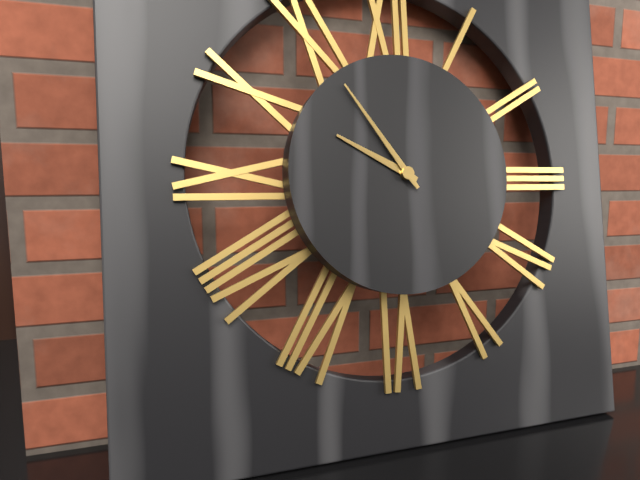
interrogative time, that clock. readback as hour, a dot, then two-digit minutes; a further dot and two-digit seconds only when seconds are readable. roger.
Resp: 9.54
